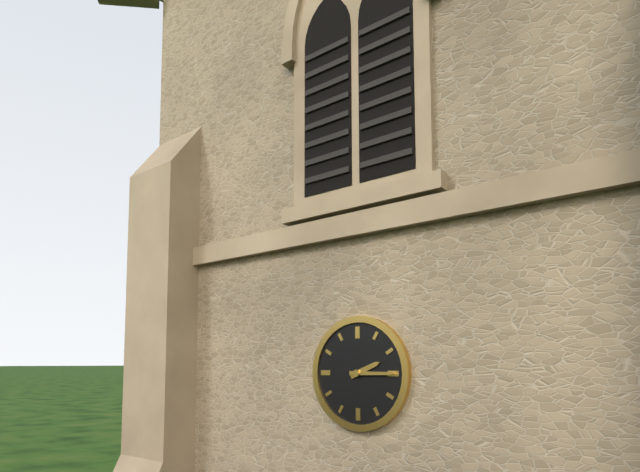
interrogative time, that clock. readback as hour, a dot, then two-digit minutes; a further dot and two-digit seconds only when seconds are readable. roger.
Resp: 2.15
